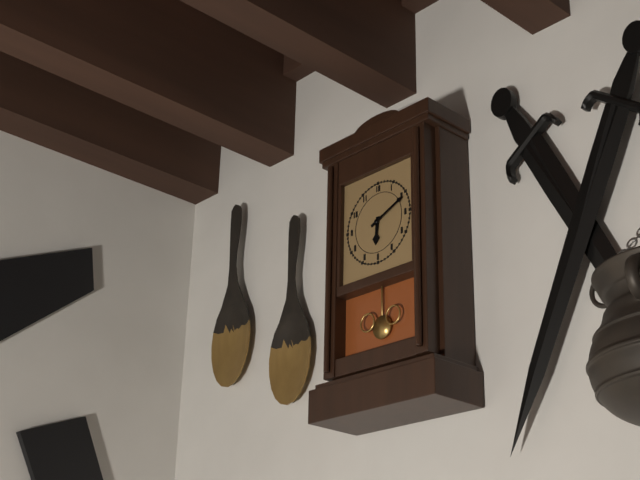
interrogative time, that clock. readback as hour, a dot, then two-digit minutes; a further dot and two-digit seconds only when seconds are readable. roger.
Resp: 6.11
